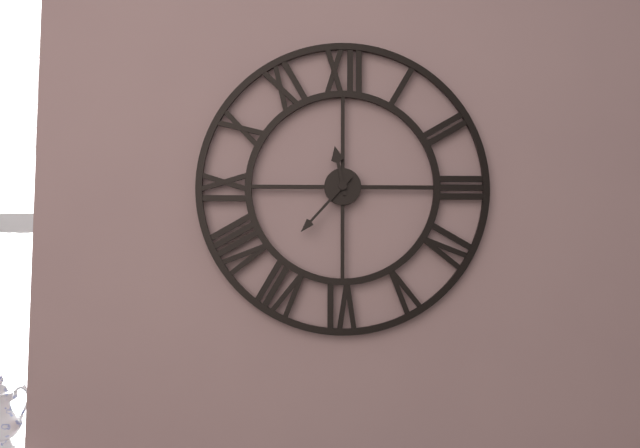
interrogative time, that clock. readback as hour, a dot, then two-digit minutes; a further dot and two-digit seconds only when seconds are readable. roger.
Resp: 11.37
